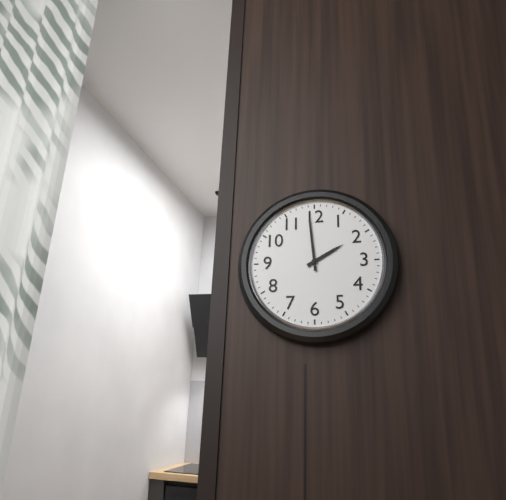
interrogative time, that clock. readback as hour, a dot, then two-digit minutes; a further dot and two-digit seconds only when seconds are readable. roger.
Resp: 1.59
